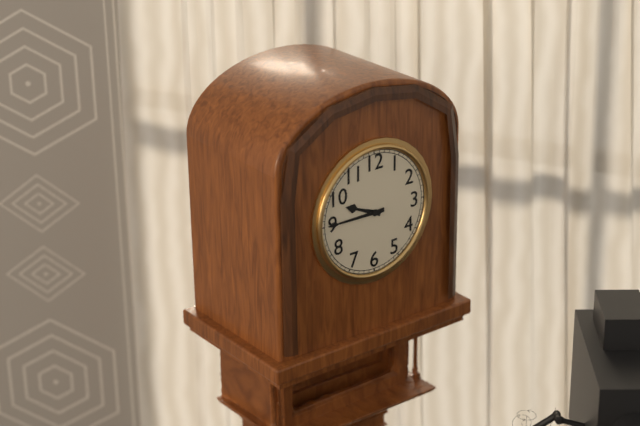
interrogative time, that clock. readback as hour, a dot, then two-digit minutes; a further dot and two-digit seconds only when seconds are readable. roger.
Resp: 9.45
